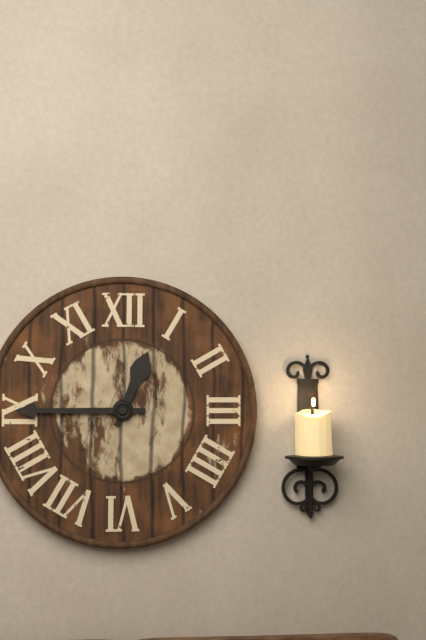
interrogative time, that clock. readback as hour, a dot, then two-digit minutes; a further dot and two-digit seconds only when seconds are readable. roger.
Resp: 12.45
